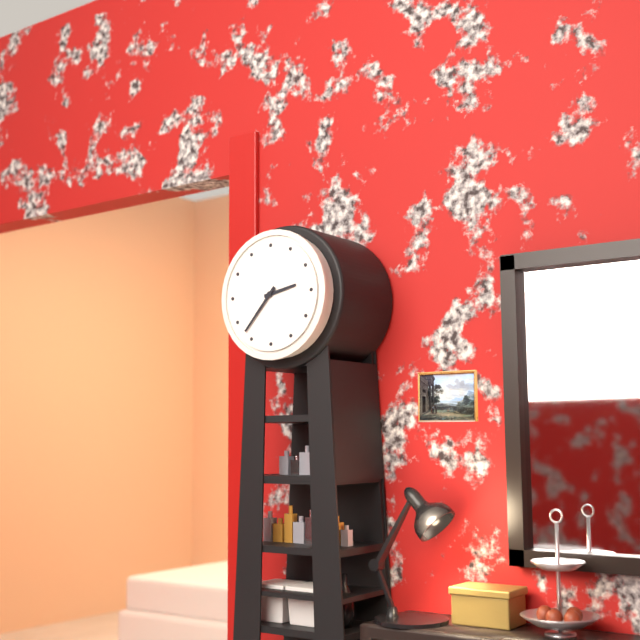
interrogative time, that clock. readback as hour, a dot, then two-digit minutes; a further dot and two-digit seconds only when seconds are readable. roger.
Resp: 2.37
